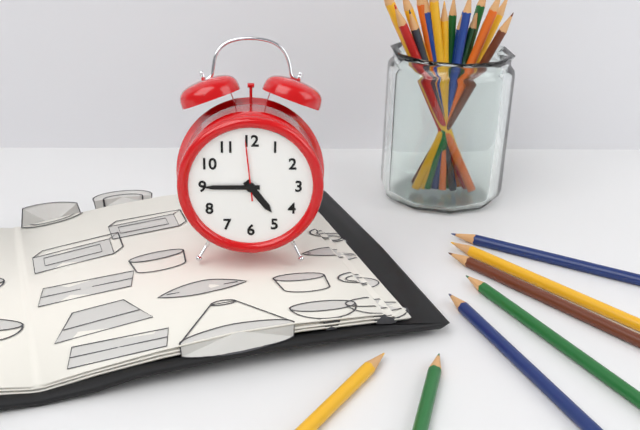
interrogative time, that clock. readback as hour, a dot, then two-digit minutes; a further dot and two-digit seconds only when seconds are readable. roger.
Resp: 4.45.59
